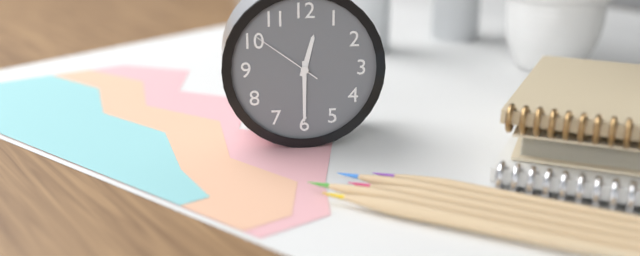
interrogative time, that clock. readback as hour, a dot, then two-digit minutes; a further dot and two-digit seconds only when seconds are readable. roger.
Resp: 12.30.51
